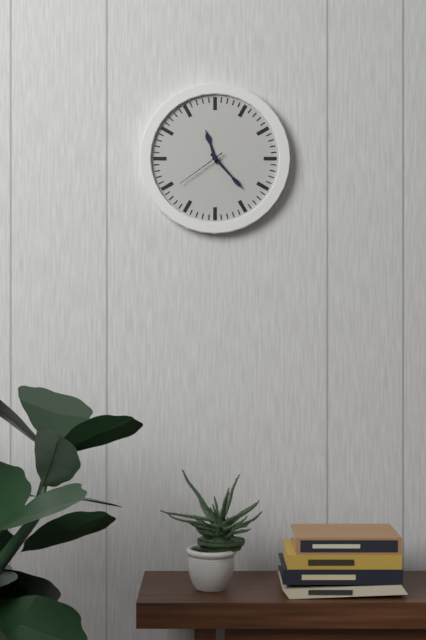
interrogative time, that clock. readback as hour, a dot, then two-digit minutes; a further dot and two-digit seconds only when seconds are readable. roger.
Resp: 11.23.39
